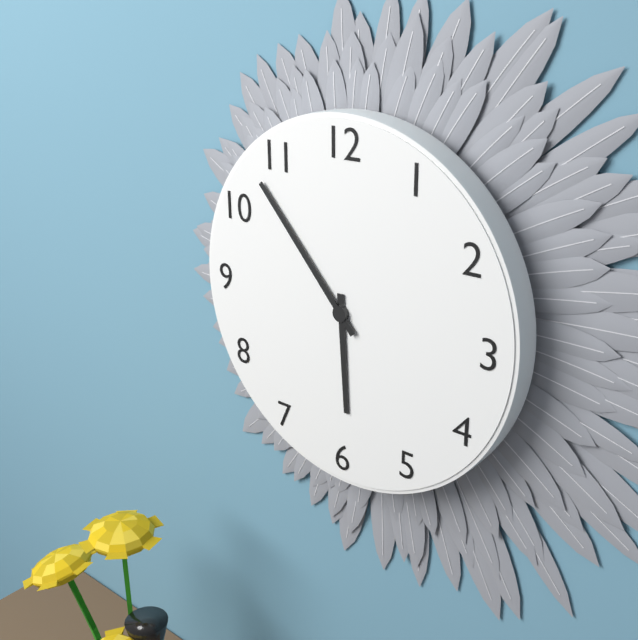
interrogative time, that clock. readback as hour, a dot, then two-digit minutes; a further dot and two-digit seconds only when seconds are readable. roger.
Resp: 5.53
